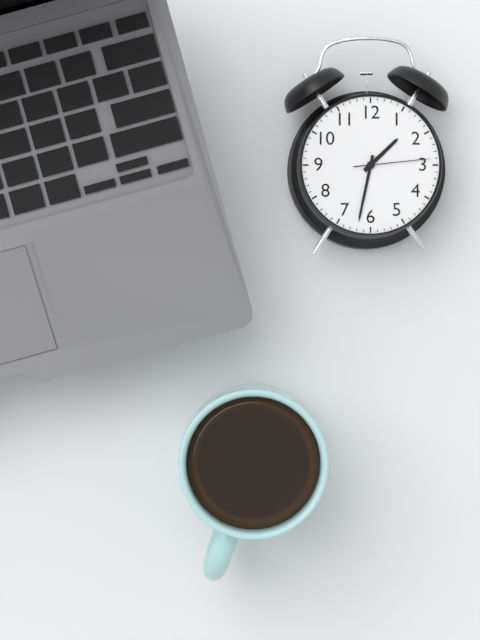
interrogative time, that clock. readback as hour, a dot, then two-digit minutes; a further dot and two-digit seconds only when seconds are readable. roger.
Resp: 1.32.14
